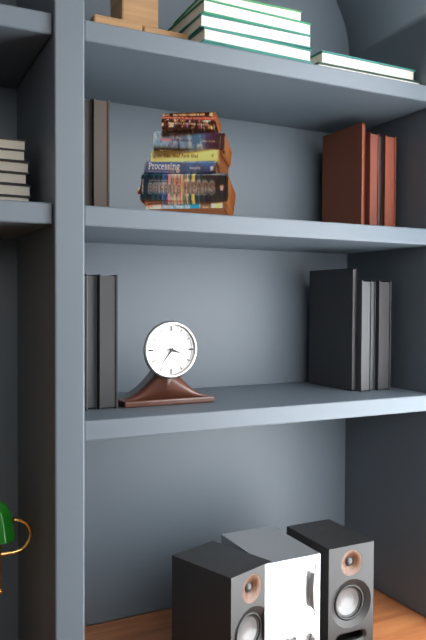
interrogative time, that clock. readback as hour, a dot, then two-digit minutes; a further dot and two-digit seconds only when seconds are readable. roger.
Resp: 3.36
